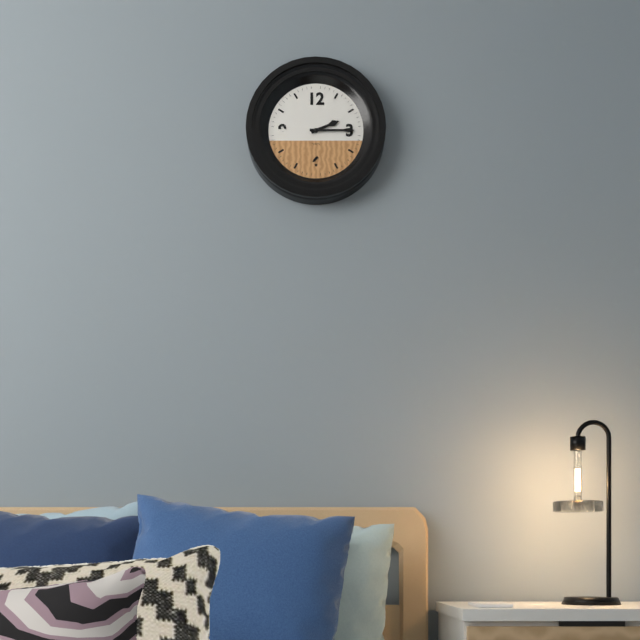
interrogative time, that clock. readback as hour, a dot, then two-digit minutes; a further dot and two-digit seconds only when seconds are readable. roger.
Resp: 2.15
